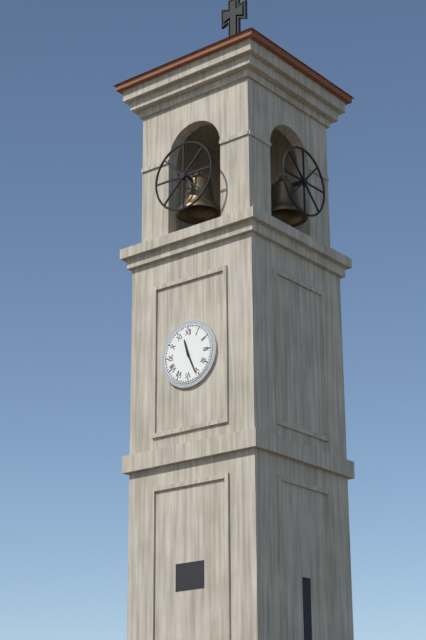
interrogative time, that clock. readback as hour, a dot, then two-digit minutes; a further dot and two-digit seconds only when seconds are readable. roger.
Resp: 11.26
